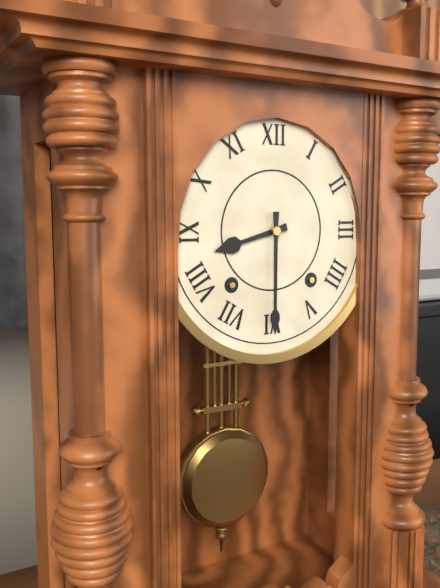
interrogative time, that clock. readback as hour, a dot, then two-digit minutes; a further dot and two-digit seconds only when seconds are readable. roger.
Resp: 8.30
